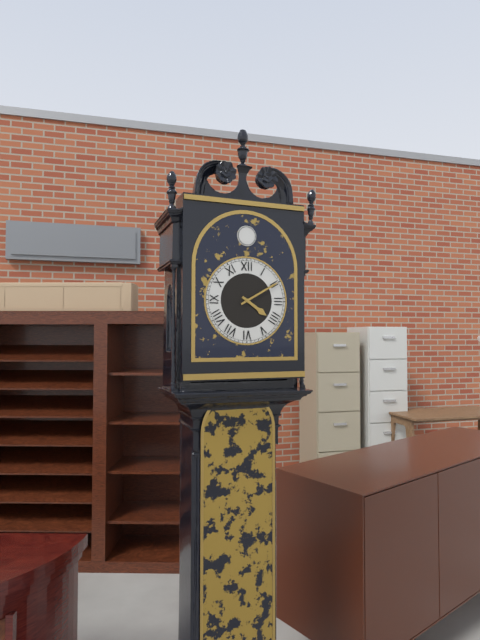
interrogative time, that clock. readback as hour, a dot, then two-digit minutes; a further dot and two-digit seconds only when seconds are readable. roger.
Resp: 4.10
